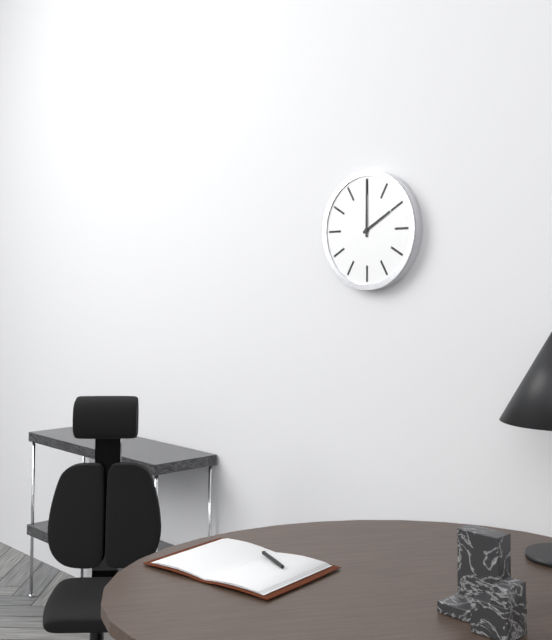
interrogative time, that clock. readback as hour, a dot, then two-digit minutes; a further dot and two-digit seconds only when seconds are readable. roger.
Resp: 2.00
